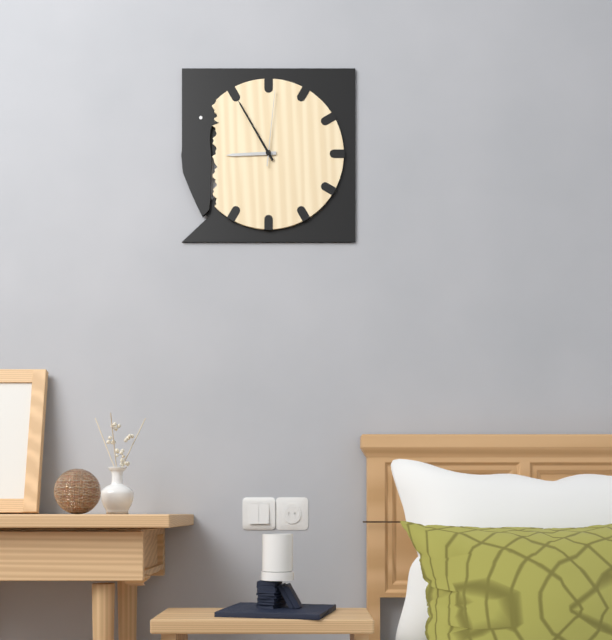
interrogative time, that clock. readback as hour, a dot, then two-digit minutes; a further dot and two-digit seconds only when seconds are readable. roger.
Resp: 8.55.01
